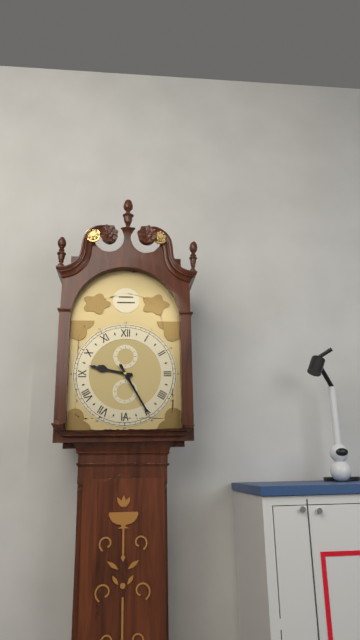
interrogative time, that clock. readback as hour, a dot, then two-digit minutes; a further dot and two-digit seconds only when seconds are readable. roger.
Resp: 9.25
